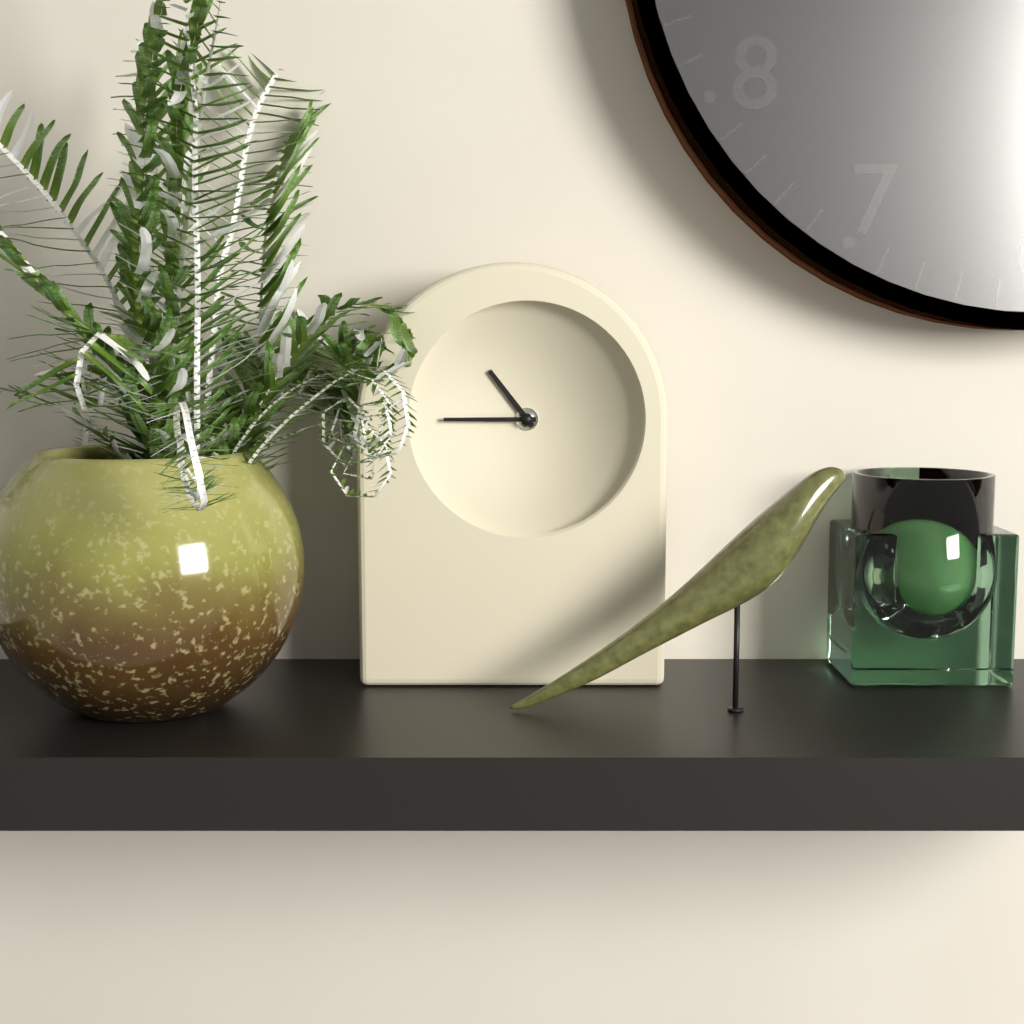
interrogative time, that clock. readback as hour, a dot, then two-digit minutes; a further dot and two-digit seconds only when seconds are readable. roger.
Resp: 10.45
